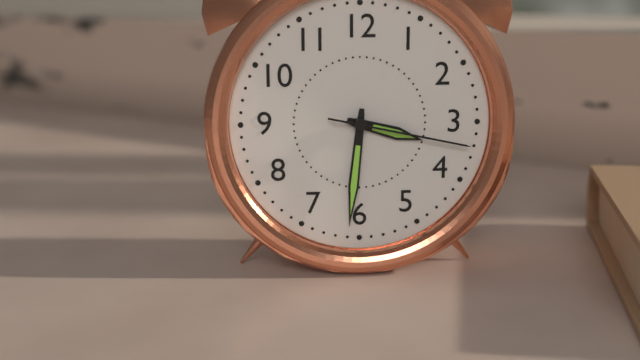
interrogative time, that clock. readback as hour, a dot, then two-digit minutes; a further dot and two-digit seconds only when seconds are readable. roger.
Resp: 3.31.17
